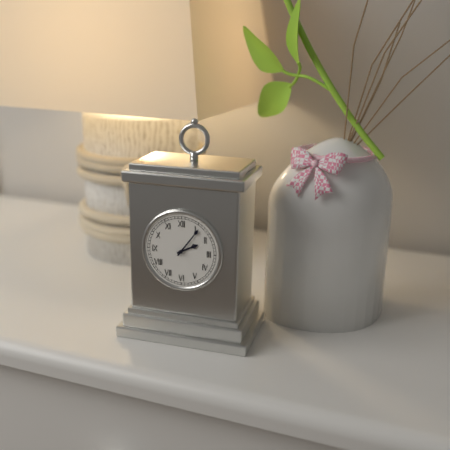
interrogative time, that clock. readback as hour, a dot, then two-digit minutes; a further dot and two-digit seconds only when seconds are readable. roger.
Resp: 2.06
